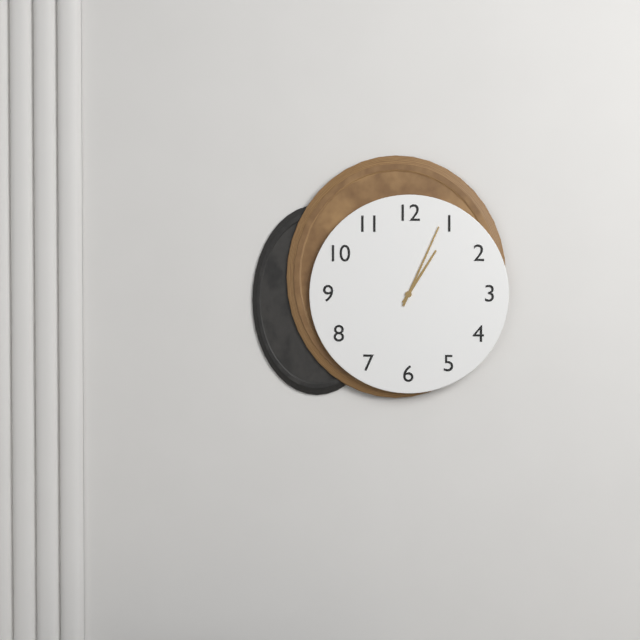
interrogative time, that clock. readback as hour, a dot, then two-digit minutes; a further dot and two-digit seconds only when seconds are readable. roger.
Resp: 1.04
